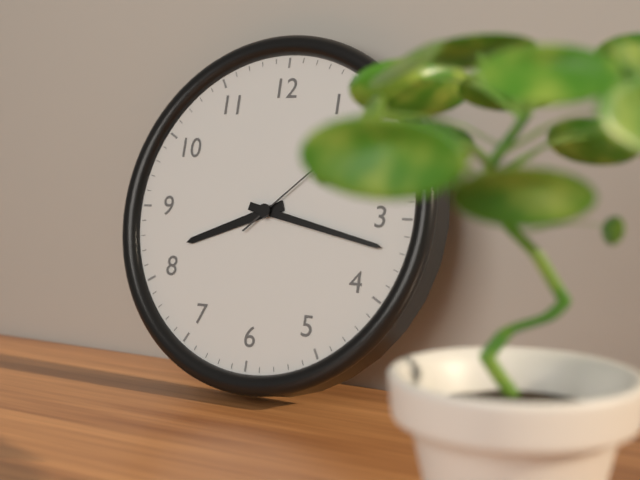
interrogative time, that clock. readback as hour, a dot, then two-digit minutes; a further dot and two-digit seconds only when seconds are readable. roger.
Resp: 8.17
